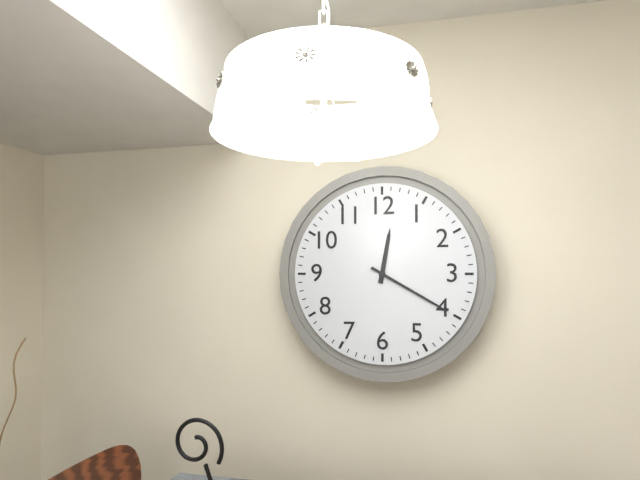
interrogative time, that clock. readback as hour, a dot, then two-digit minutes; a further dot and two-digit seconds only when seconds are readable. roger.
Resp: 12.20
